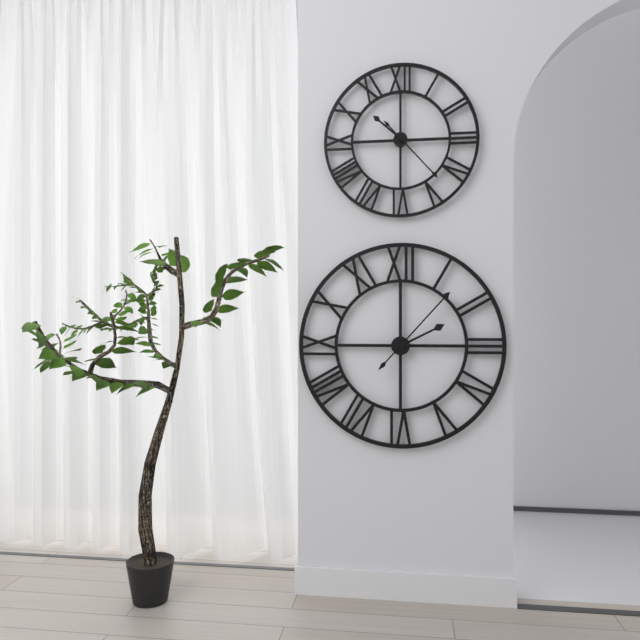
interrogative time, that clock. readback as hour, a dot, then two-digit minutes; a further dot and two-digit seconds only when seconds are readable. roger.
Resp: 2.07
